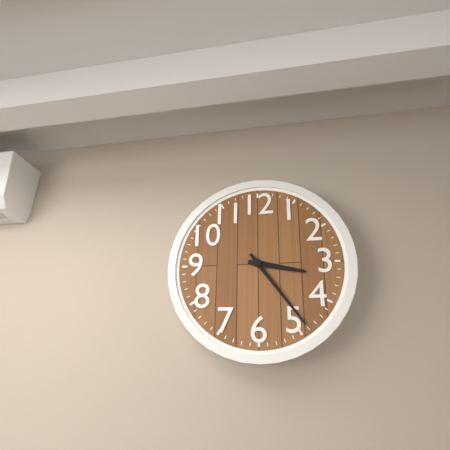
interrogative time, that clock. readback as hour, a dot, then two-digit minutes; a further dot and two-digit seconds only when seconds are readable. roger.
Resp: 3.24
